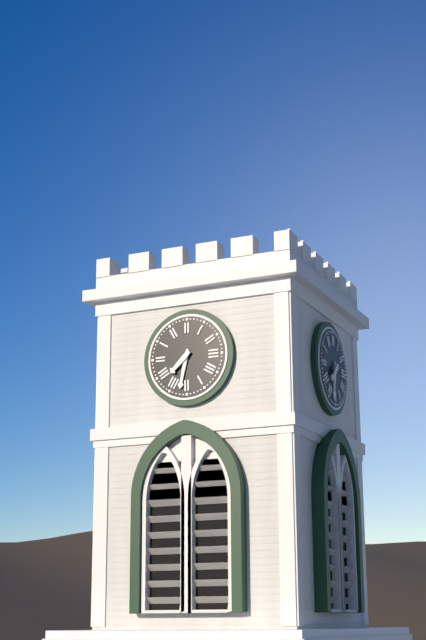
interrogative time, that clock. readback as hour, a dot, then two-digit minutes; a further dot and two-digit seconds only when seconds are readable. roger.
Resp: 7.32
